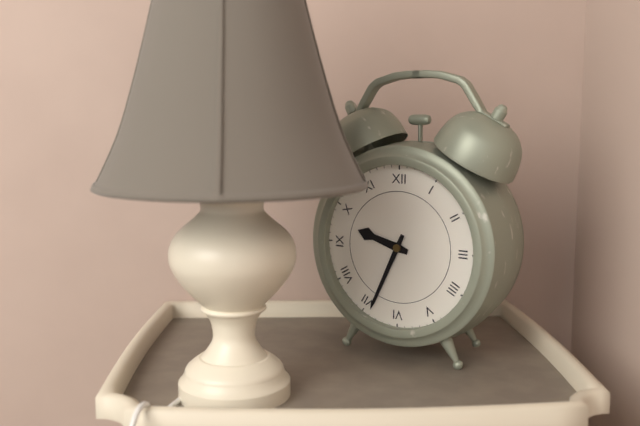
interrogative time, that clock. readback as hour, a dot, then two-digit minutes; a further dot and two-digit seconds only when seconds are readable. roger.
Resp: 9.34
